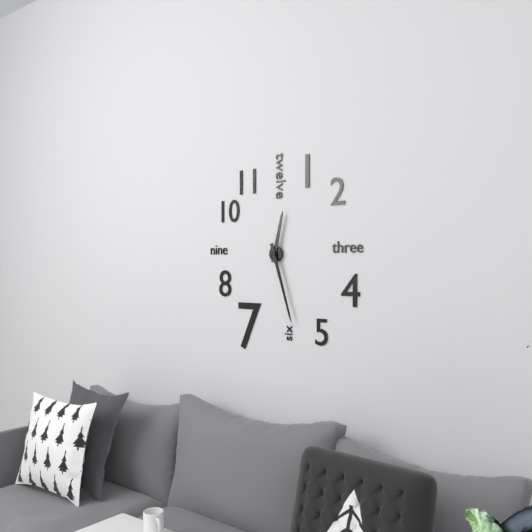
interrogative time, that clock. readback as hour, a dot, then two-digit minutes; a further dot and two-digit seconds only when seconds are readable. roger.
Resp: 12.27
